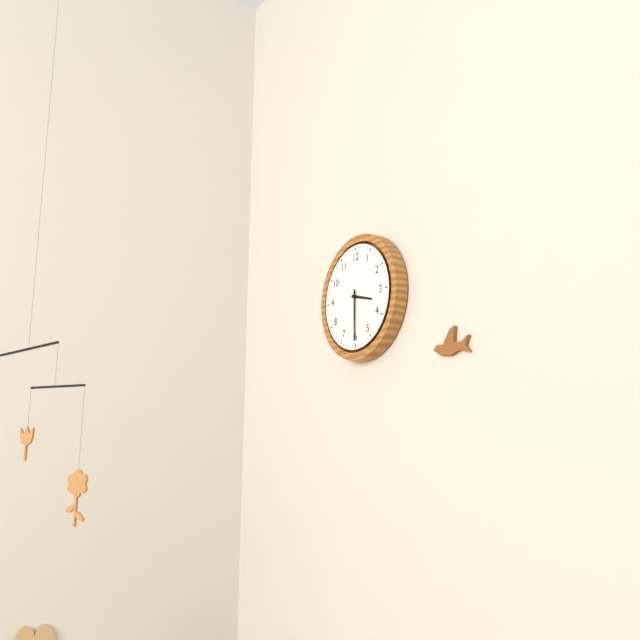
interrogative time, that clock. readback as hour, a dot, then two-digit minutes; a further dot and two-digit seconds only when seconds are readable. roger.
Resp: 3.30
